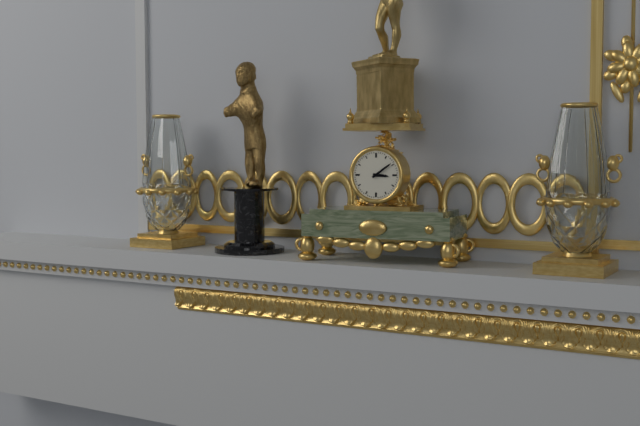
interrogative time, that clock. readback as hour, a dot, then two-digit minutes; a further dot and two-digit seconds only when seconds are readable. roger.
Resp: 3.09
